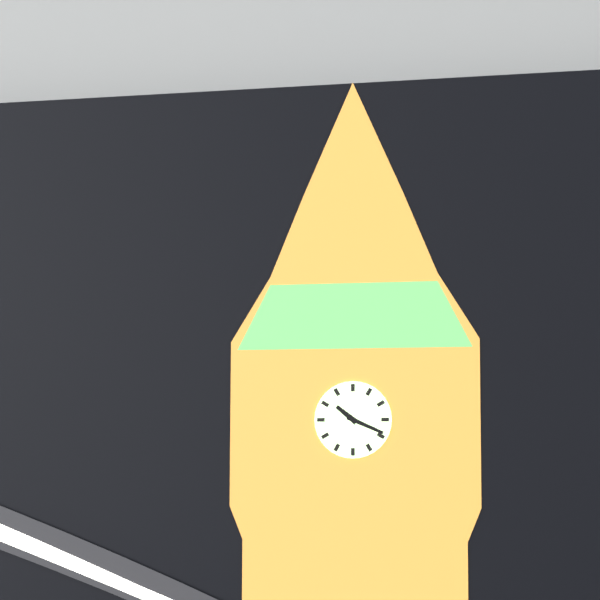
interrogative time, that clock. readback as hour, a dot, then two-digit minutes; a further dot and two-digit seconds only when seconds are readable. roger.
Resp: 10.19
